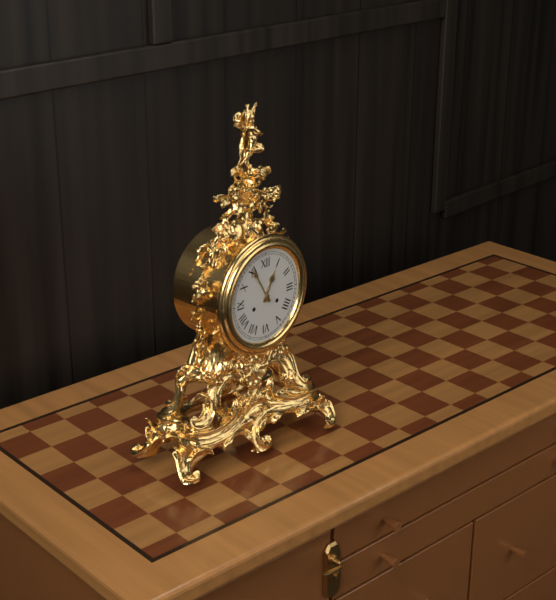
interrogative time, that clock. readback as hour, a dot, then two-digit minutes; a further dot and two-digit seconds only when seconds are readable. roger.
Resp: 12.55
